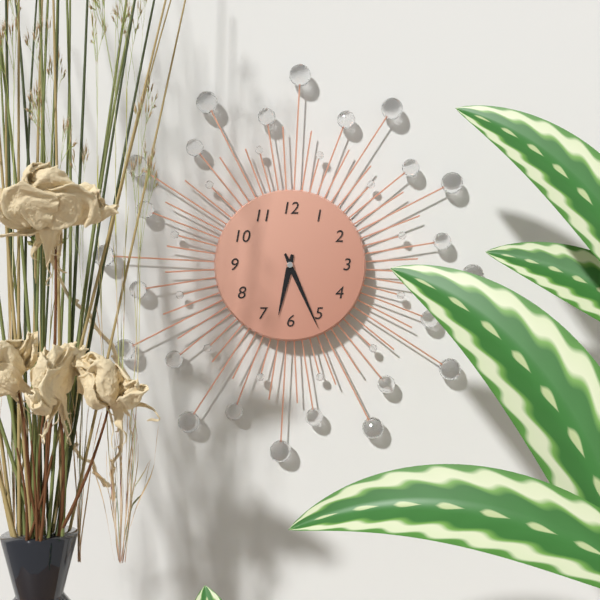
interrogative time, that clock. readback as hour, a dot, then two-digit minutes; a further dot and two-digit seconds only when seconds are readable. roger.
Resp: 6.26
